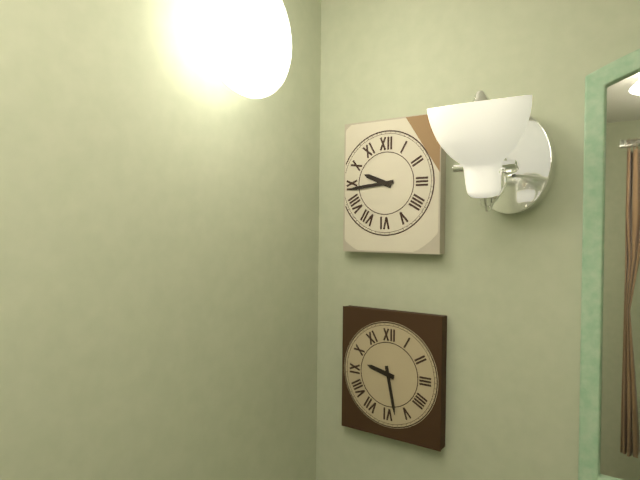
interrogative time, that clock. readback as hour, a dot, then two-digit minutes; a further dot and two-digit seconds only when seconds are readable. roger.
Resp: 9.44
